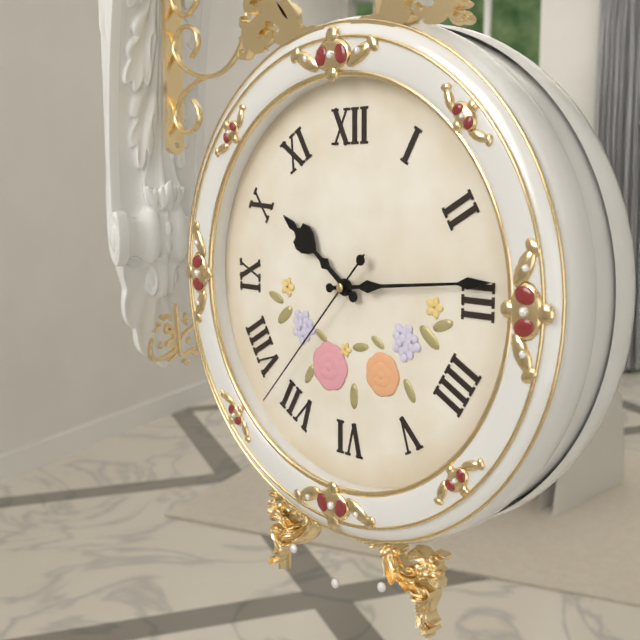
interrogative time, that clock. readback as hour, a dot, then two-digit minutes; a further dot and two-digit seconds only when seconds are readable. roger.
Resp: 10.14.37
